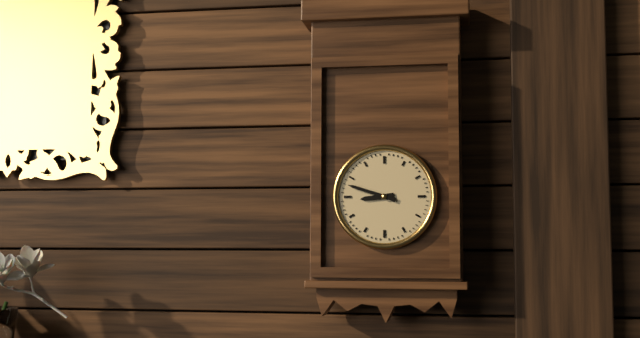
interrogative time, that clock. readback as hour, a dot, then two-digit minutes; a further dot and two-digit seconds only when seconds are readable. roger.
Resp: 8.48
